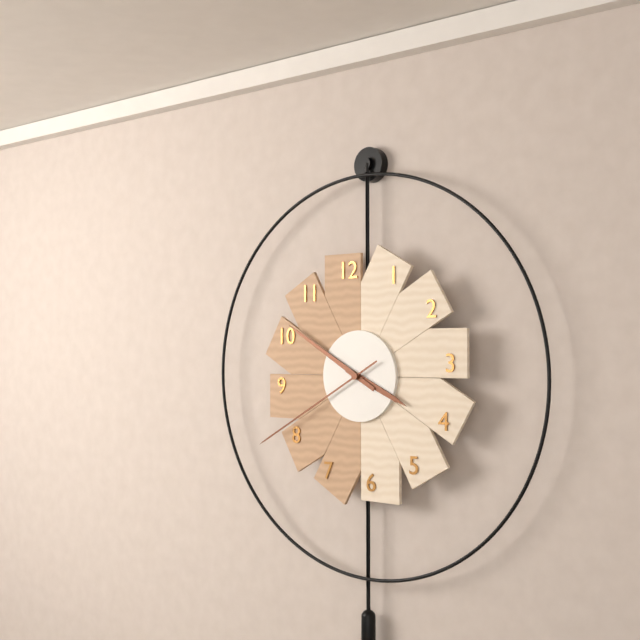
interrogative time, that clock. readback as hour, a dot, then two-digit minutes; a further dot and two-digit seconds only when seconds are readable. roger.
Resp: 3.50.40
